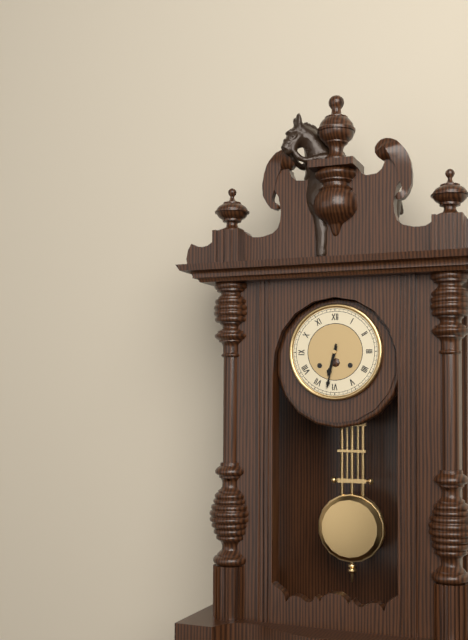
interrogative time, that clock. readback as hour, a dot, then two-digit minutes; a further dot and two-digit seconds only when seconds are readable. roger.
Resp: 6.32
